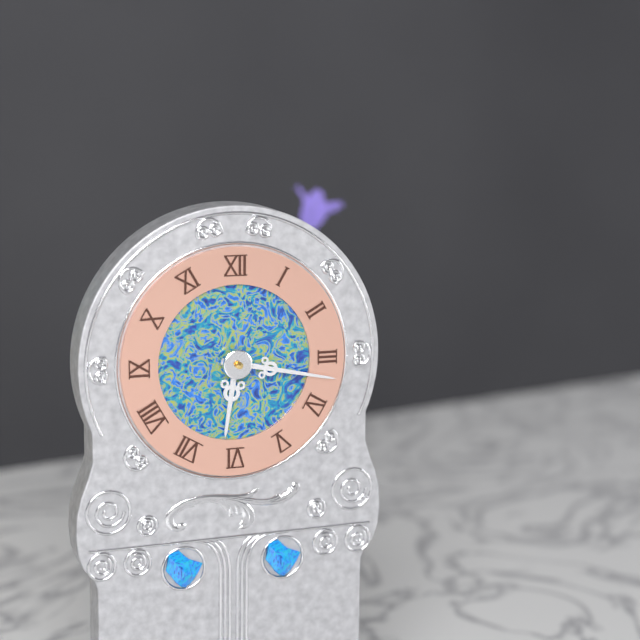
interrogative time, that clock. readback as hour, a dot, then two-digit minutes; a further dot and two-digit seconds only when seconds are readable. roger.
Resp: 6.17
